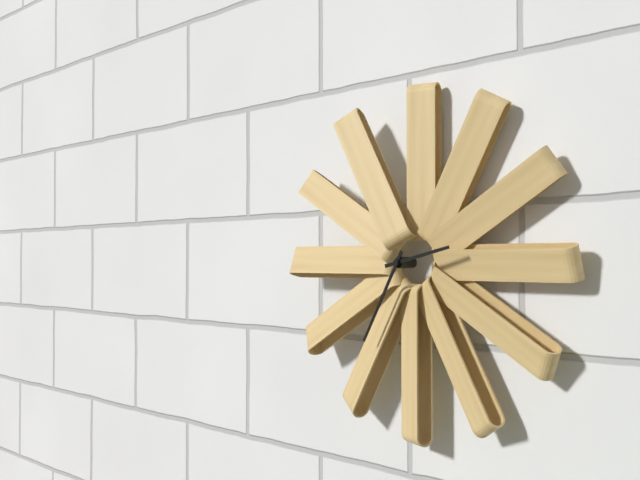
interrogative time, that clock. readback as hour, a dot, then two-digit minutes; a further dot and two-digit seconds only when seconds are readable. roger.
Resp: 2.35
